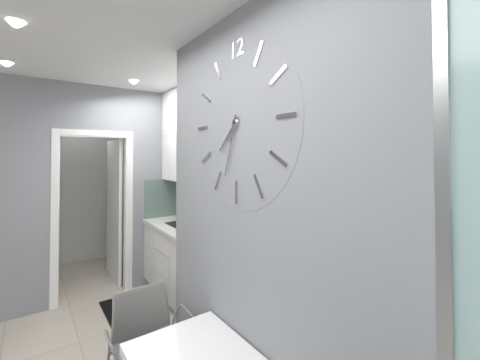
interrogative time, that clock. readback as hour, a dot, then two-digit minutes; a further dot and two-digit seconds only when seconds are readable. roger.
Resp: 7.33
